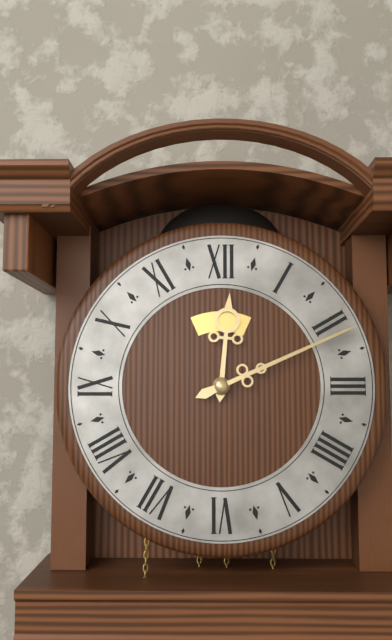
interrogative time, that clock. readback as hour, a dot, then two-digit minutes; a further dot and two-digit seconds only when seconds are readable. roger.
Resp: 12.11
